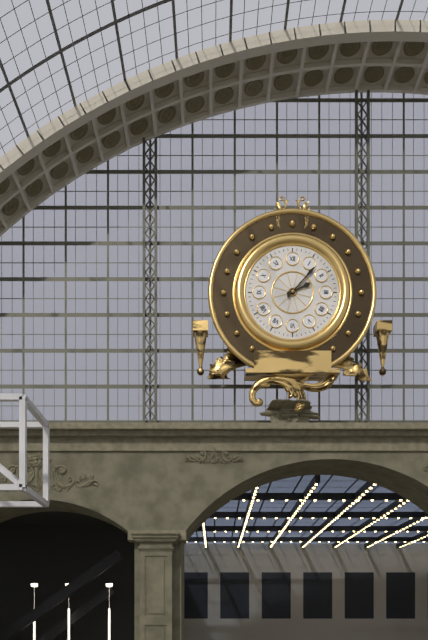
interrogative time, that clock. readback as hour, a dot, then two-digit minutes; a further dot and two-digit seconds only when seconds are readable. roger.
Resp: 2.07
